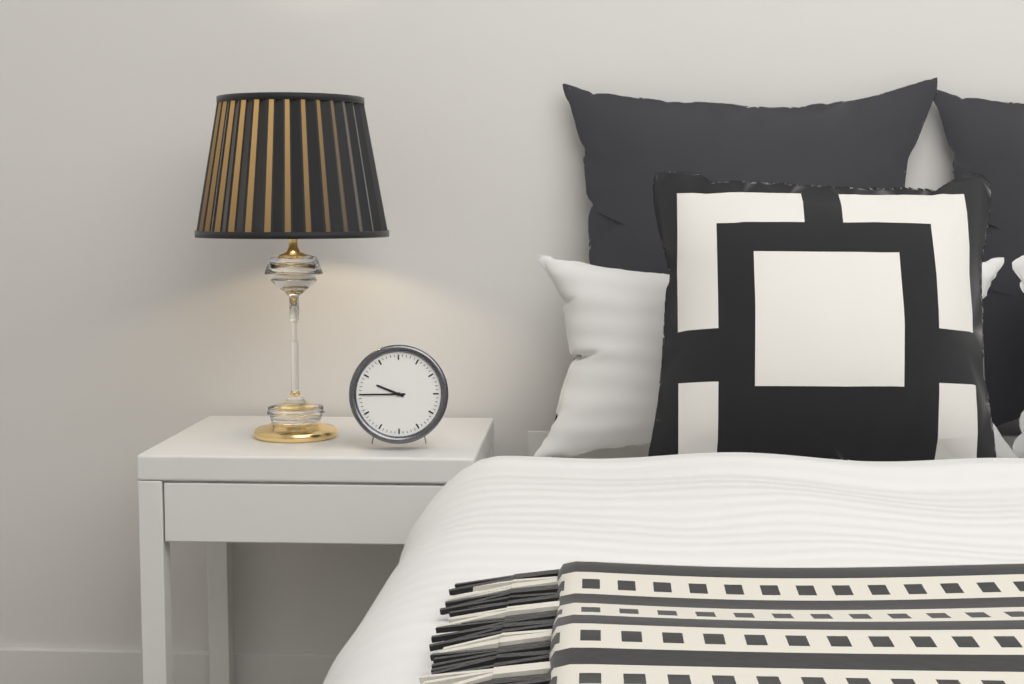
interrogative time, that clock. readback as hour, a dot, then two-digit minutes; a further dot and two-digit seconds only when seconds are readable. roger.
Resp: 9.45
